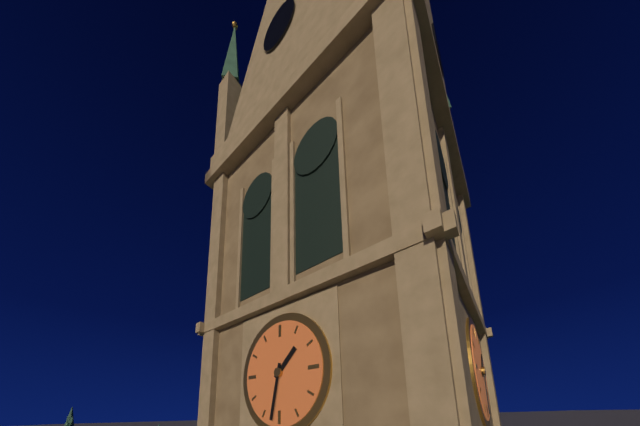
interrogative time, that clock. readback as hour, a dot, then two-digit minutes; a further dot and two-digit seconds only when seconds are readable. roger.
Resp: 1.32
